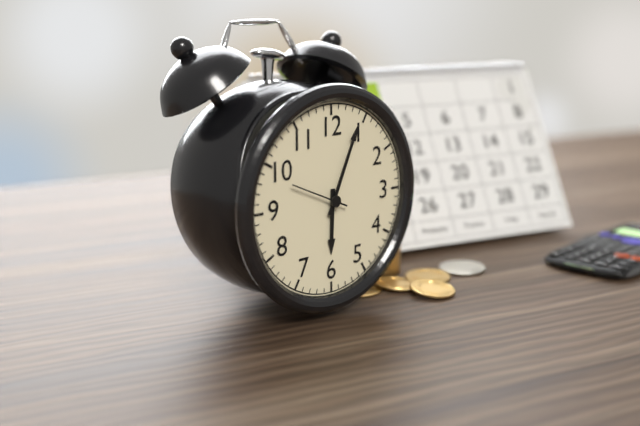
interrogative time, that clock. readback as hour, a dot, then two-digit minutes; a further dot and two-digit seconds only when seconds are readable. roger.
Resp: 6.04.49
